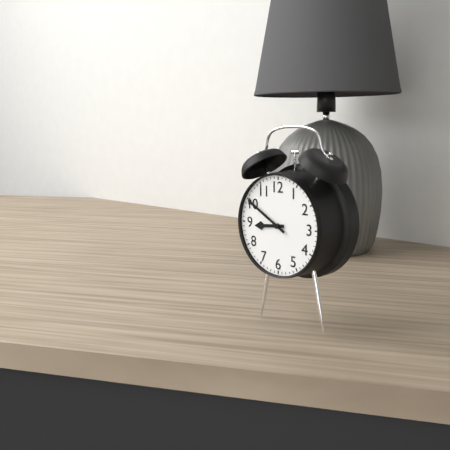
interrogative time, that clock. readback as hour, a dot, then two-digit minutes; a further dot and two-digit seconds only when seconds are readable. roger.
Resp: 8.50
